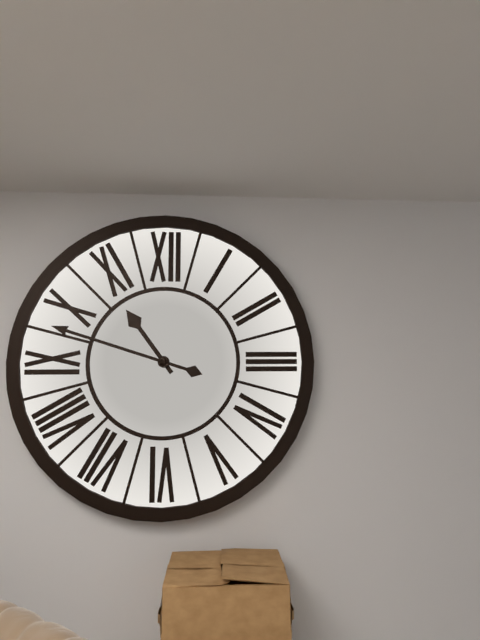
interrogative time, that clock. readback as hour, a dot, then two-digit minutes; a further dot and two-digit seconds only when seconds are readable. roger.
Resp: 10.48
